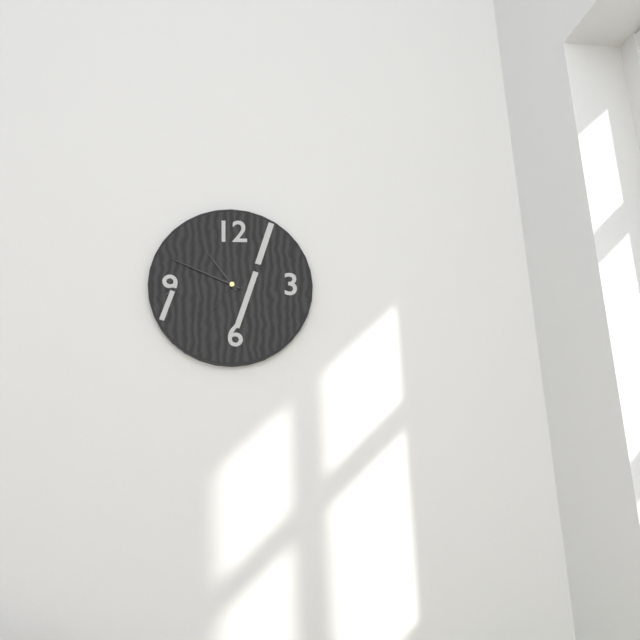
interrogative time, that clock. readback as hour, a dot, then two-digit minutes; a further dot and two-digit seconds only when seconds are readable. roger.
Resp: 10.49.36
